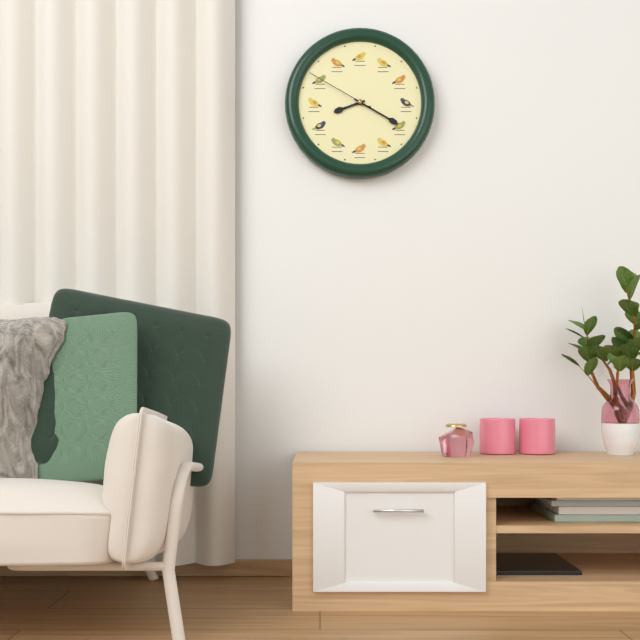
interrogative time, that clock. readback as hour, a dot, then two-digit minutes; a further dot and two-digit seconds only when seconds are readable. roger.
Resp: 8.20.50
